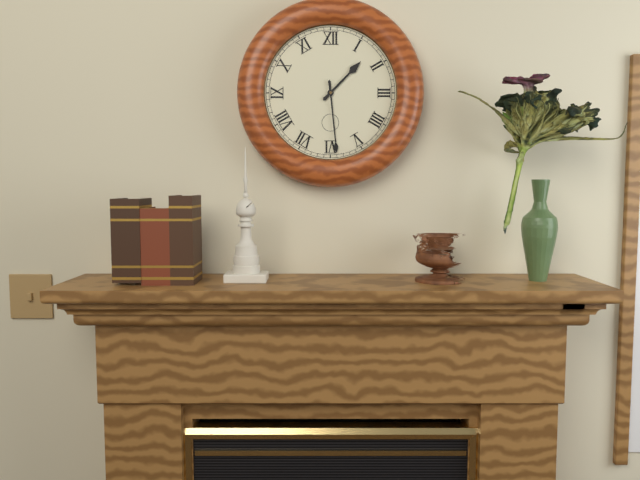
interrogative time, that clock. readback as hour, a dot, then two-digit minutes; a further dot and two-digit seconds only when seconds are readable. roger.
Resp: 1.29
